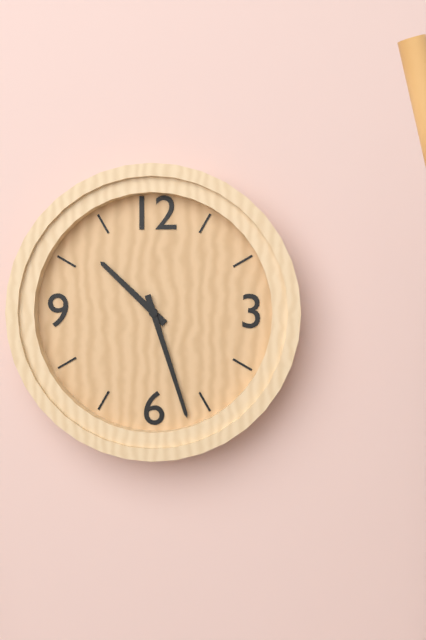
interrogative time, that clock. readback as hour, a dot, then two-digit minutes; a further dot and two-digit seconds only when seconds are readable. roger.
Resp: 10.27
